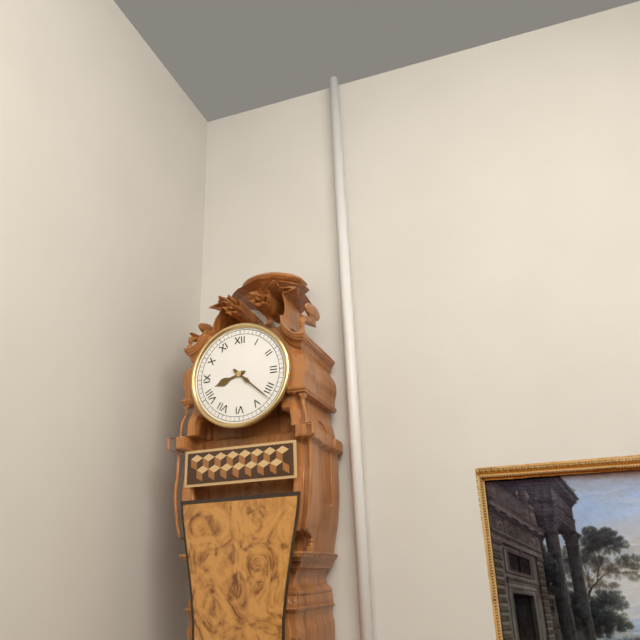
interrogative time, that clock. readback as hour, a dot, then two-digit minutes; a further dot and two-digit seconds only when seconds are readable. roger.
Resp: 8.22
